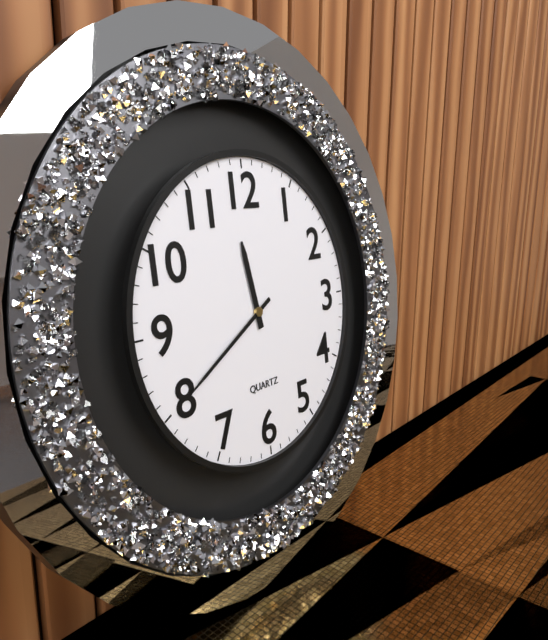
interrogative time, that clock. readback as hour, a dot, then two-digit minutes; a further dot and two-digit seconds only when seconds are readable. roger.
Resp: 11.40
